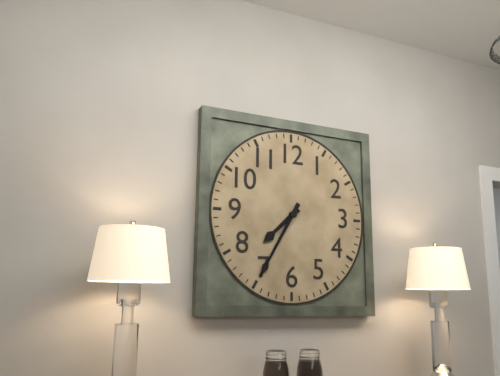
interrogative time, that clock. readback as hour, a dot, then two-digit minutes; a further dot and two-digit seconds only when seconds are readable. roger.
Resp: 7.35
